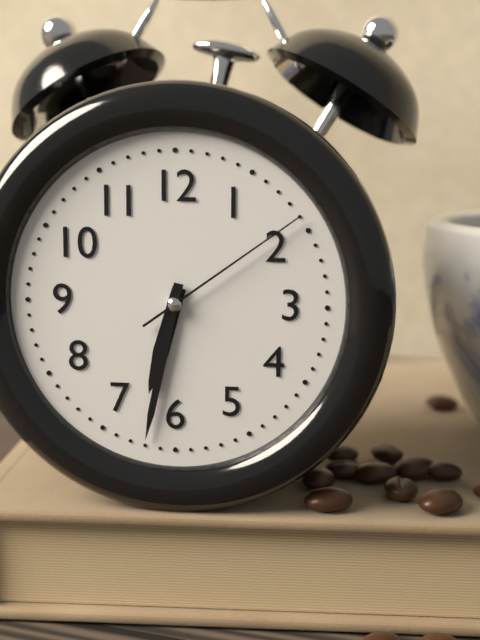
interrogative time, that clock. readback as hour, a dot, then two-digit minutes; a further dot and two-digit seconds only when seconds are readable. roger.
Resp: 6.32.09
